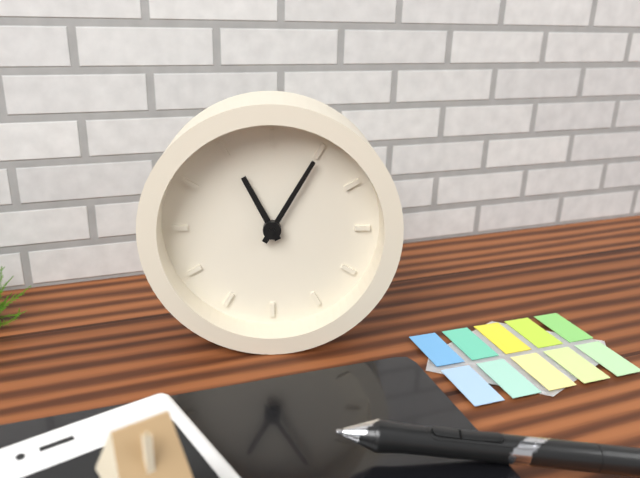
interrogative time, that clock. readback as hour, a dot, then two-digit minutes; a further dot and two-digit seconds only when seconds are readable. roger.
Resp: 11.05
